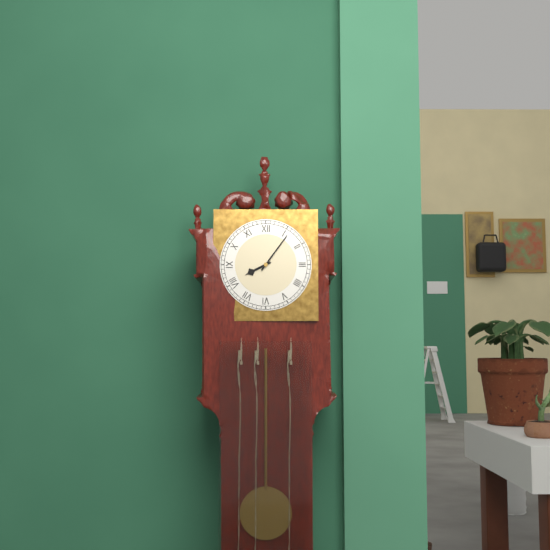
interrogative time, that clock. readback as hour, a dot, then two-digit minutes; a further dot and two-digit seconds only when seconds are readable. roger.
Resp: 8.06
